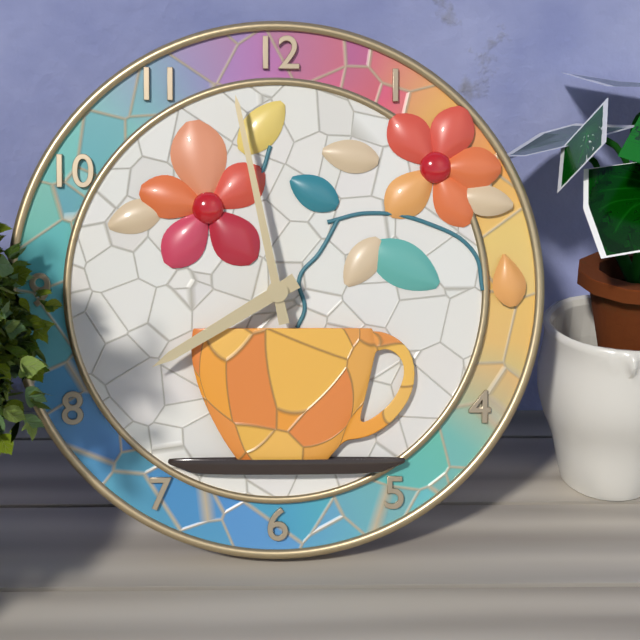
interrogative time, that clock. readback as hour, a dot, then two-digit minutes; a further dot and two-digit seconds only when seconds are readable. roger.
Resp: 7.58
